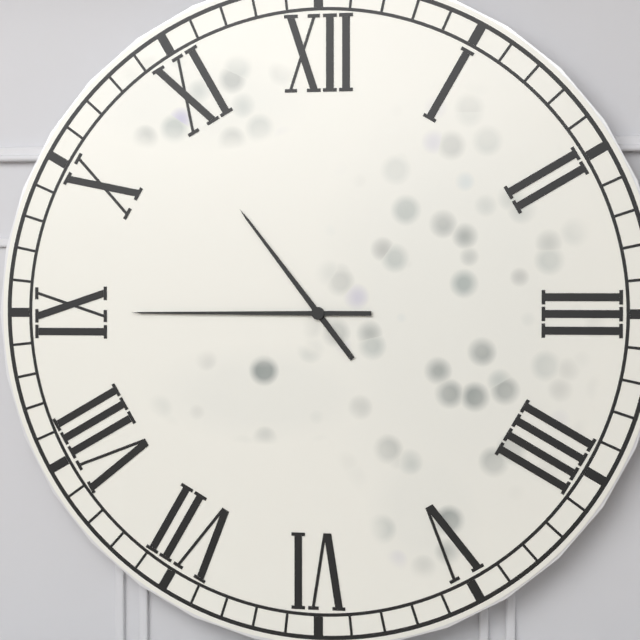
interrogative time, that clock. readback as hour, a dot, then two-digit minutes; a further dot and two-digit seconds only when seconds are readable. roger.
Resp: 10.45
